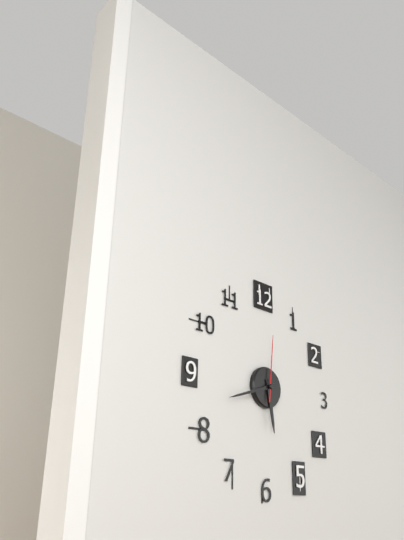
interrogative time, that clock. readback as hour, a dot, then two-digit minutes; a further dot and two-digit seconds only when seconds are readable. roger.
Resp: 5.42.01
